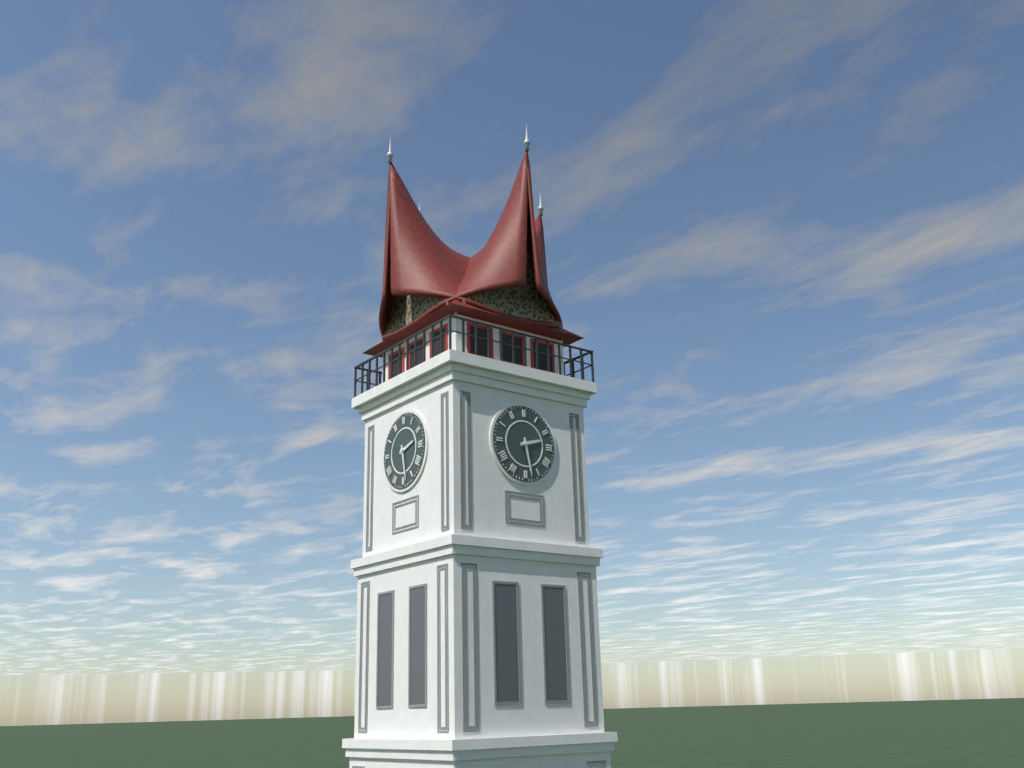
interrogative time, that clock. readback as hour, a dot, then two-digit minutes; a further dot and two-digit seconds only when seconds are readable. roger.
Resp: 2.28
